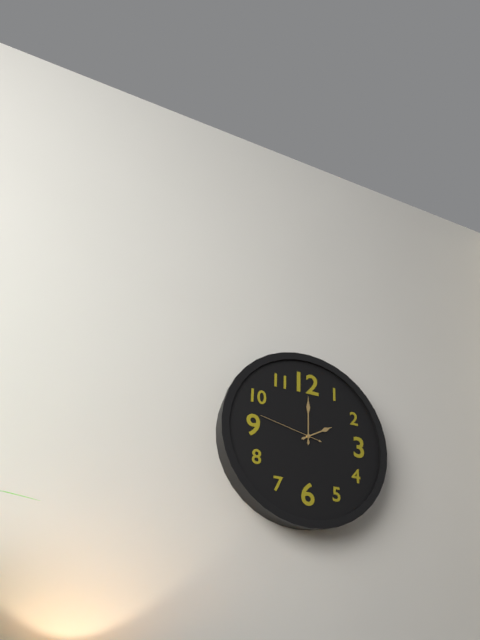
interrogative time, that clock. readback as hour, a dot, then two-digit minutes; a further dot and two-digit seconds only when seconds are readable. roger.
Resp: 2.00.47
